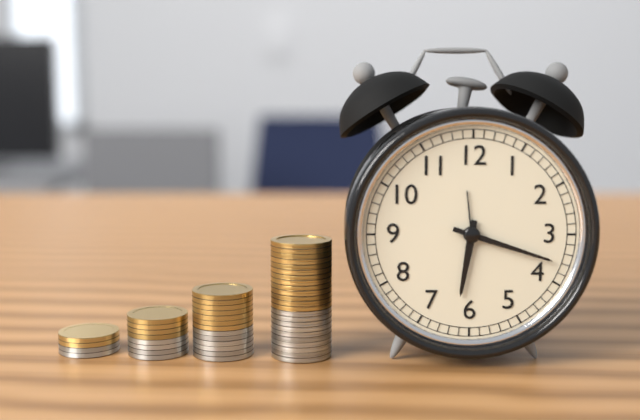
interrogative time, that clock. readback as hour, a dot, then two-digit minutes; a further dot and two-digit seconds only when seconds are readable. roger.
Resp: 6.18
